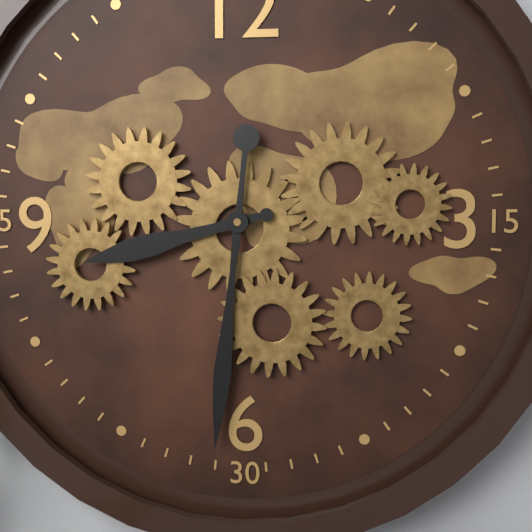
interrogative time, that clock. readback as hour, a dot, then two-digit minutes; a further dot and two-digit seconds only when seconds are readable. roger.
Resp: 8.31
